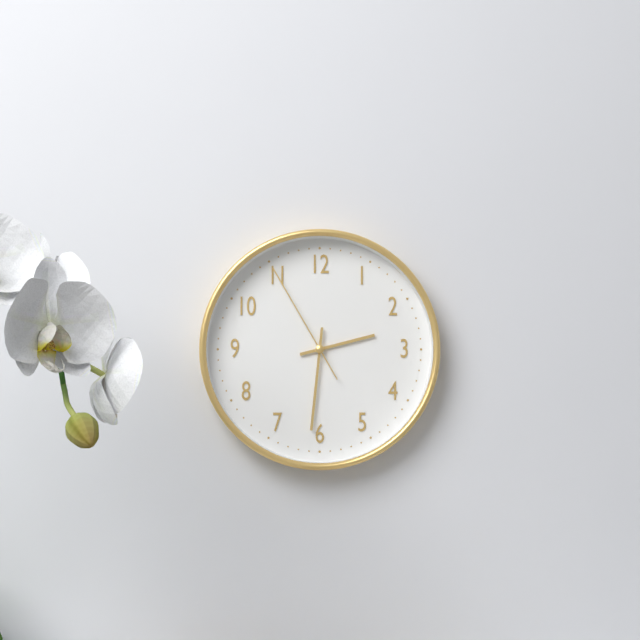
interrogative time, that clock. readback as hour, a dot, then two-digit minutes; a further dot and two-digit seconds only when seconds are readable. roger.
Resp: 2.31.55
